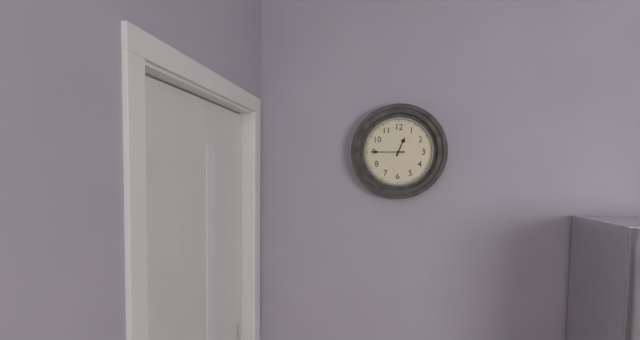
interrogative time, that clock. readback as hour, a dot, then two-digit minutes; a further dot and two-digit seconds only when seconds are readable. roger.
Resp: 12.45
